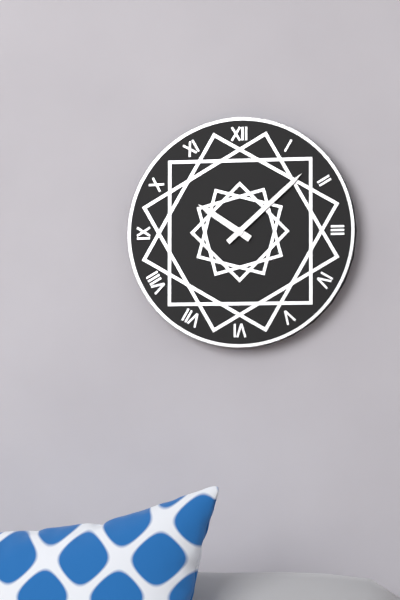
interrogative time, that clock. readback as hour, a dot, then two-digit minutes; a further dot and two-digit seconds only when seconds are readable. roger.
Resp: 10.08
